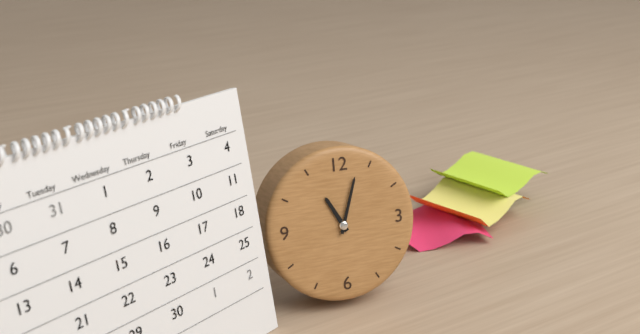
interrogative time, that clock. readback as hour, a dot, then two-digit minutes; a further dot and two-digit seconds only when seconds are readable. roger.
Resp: 11.03
